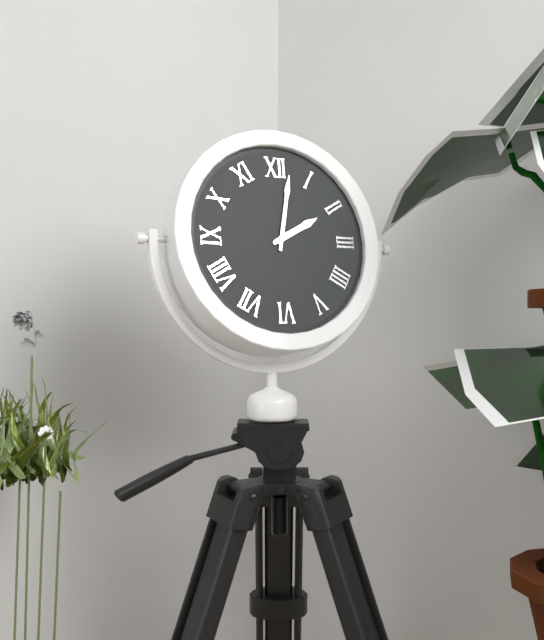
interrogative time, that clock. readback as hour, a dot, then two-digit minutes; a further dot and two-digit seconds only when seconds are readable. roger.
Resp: 2.02
